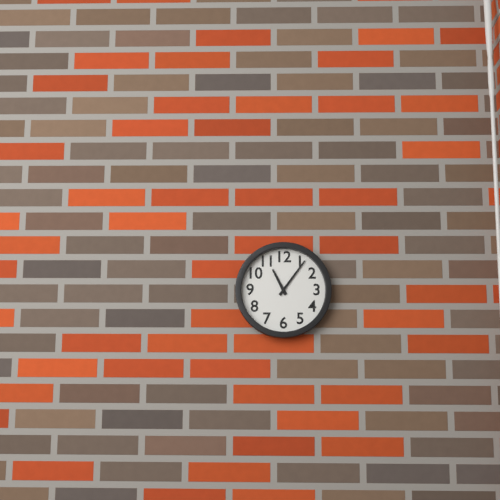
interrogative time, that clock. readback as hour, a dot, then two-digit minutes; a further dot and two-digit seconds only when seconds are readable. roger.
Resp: 11.06
